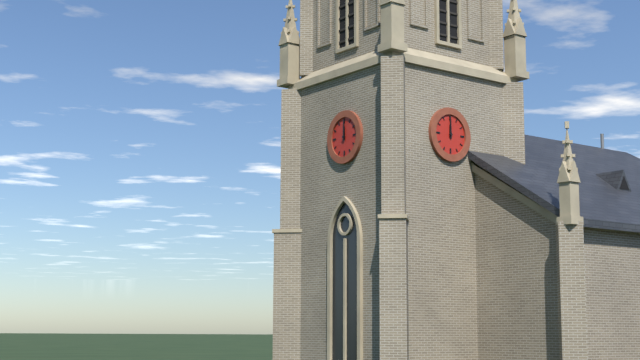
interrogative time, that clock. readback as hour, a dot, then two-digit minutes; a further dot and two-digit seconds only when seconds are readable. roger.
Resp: 12.00
